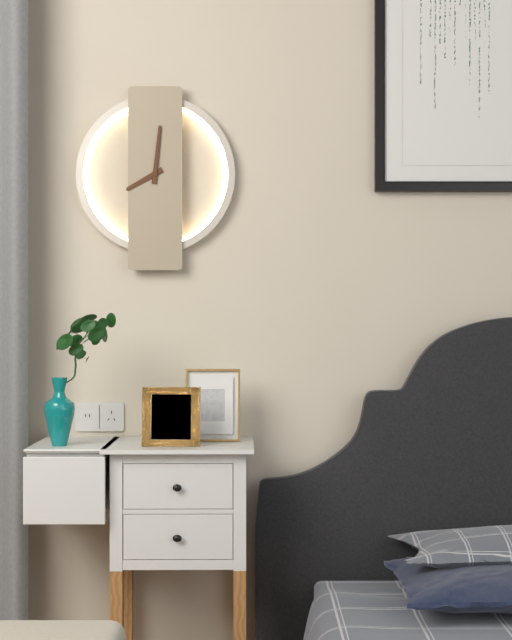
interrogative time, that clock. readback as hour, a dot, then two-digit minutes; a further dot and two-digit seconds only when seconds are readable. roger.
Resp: 8.01
